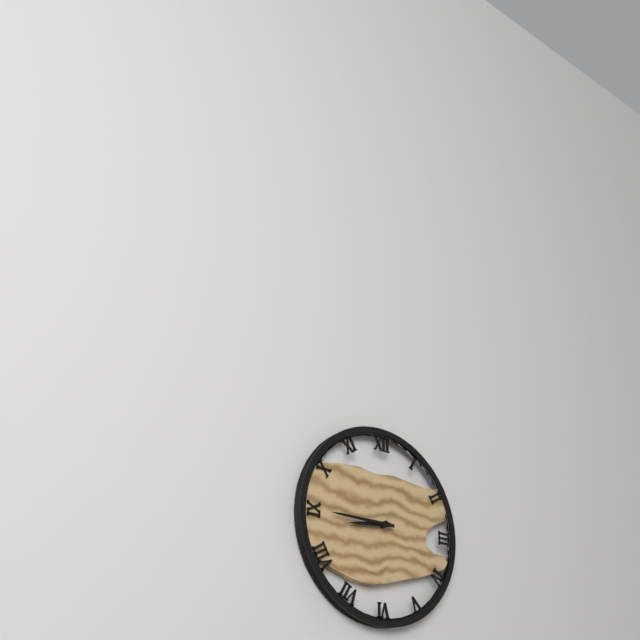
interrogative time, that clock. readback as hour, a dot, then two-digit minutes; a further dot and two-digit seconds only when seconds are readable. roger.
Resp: 8.45
